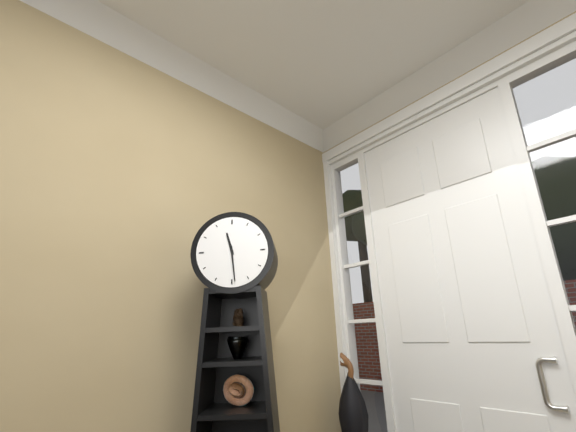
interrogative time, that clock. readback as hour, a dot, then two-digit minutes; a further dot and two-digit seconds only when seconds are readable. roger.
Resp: 11.29
